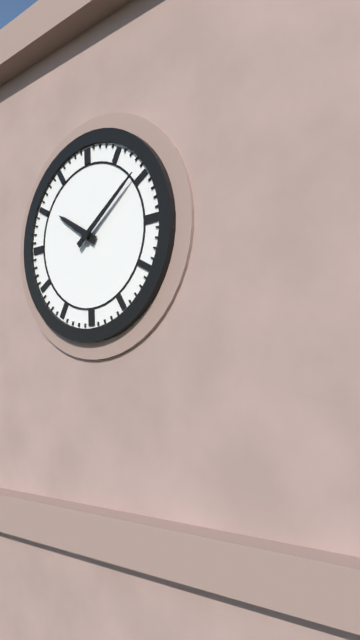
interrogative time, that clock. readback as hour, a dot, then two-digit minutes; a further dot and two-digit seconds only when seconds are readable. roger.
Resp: 10.09
